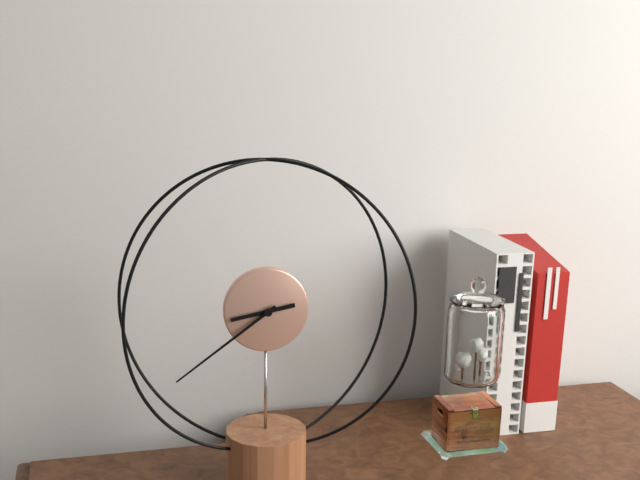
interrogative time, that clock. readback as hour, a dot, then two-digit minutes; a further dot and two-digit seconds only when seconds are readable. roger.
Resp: 8.39
